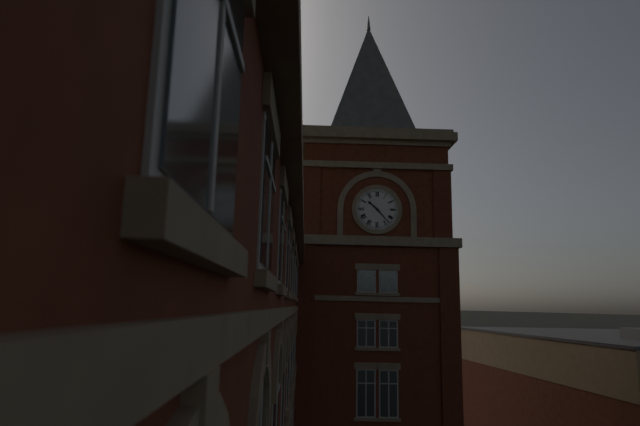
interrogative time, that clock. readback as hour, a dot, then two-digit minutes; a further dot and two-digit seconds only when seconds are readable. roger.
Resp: 10.23
